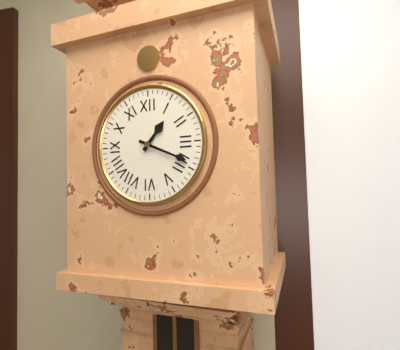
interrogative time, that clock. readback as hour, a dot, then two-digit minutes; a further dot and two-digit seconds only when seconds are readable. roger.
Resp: 1.19
